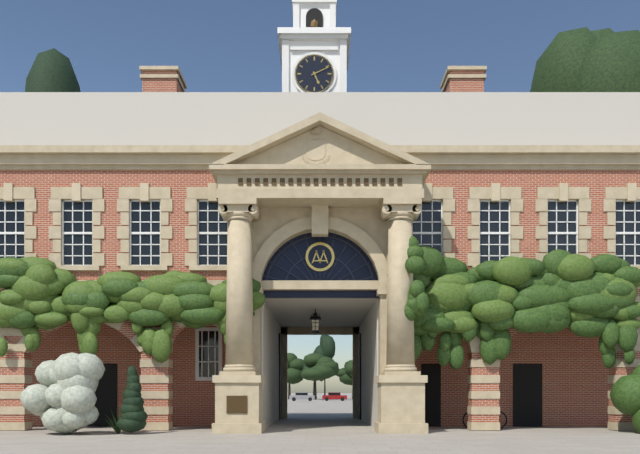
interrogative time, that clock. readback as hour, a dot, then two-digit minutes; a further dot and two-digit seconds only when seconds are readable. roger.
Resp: 5.11
